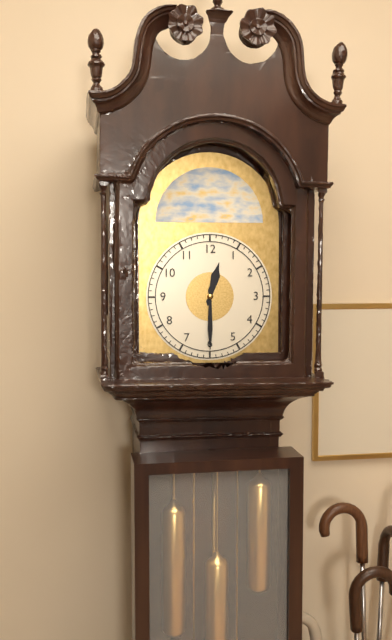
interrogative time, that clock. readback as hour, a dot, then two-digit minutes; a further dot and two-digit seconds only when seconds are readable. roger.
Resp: 12.30
